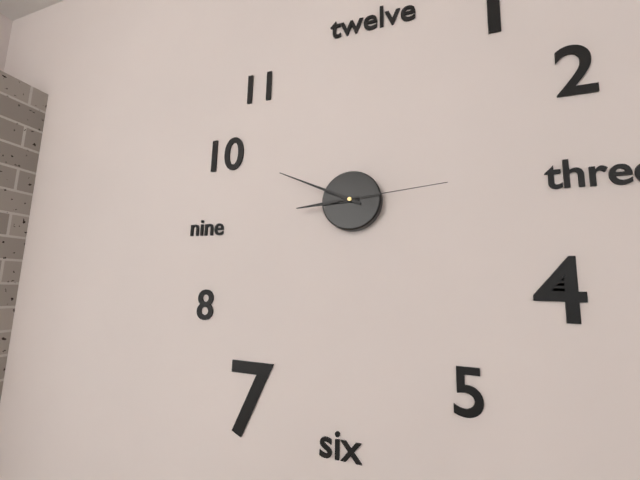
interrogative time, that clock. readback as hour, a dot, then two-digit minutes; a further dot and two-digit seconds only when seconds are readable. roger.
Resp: 8.49.14
